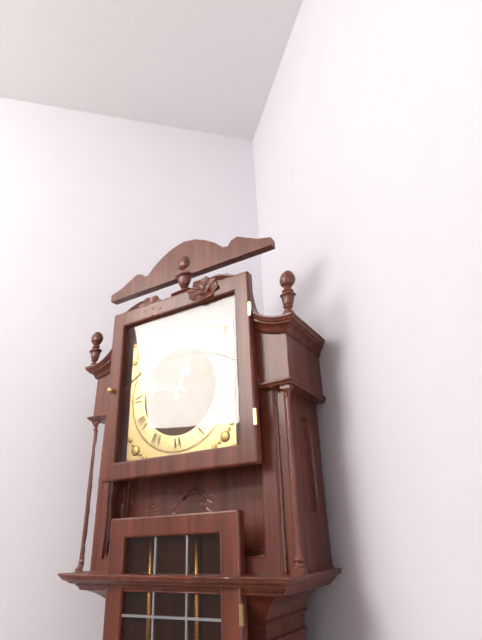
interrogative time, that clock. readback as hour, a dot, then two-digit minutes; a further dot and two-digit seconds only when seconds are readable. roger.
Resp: 12.47
